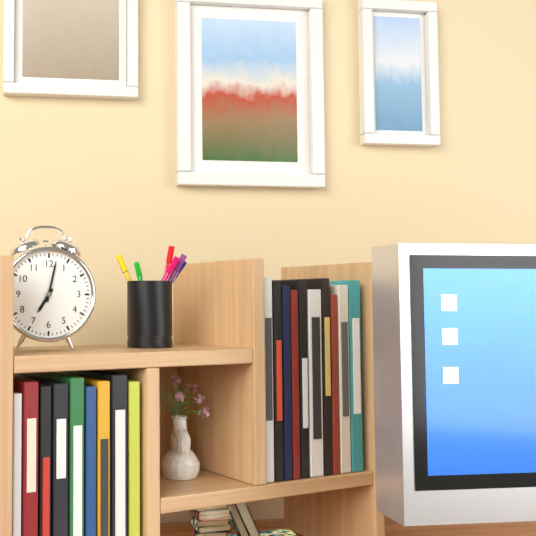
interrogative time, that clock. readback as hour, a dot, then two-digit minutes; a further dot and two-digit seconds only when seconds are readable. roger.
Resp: 7.02
